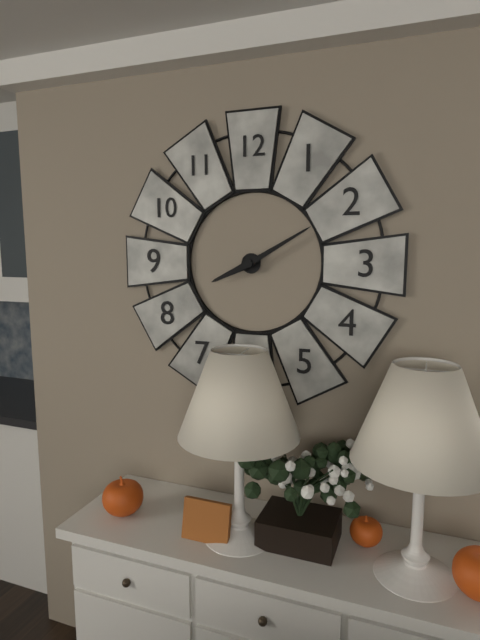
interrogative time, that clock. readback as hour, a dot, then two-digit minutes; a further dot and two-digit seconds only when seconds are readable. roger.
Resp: 8.10
